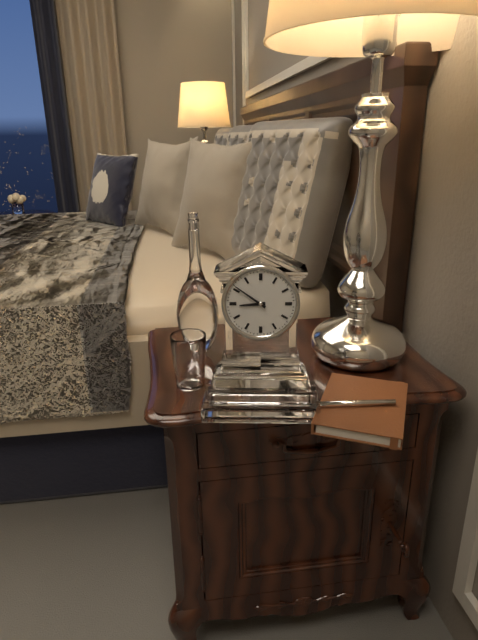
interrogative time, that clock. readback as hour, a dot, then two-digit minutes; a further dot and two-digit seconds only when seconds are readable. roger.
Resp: 8.51
